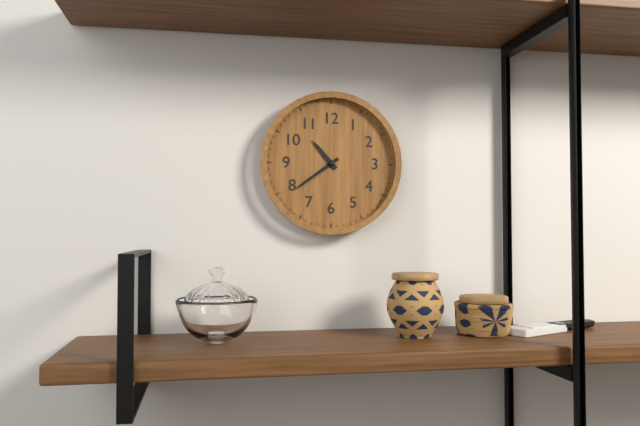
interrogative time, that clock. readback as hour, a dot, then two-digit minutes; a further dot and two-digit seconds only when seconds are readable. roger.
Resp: 10.39
